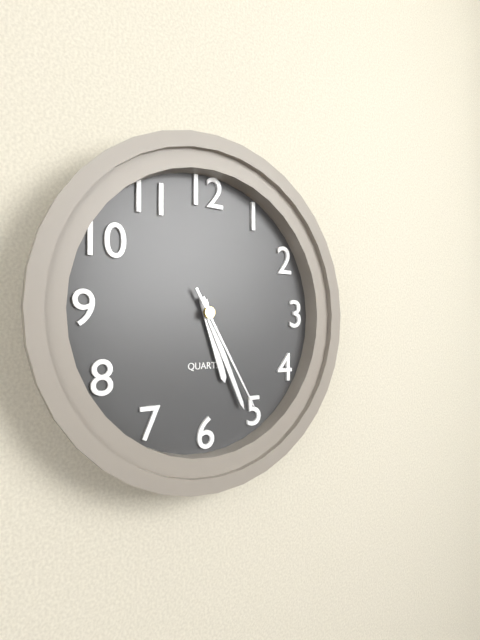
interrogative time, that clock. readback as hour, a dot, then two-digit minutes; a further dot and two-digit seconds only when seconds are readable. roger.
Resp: 5.26.25
